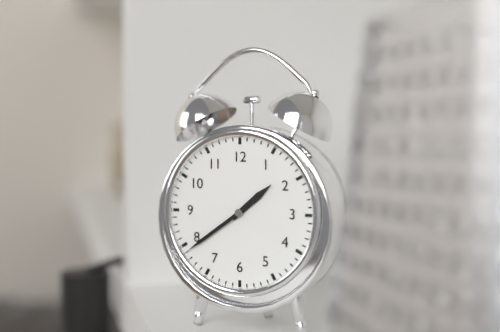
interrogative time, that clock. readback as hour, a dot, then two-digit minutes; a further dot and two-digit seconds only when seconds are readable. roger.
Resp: 1.39
